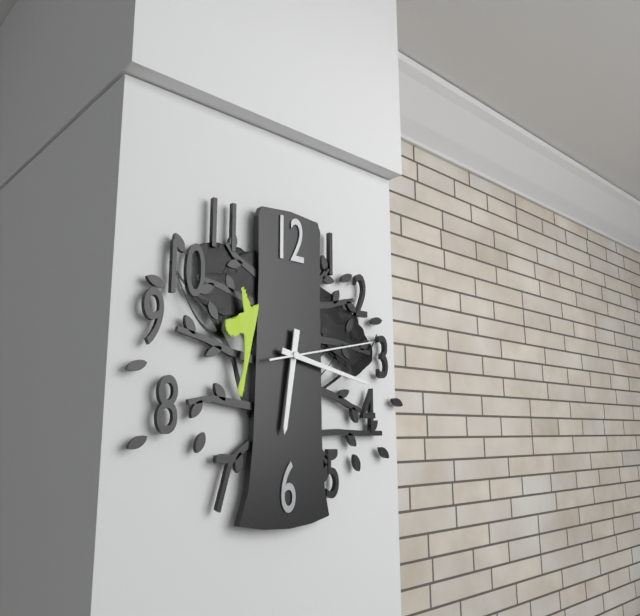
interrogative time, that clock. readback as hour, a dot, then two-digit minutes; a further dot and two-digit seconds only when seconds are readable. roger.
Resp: 6.17.13
